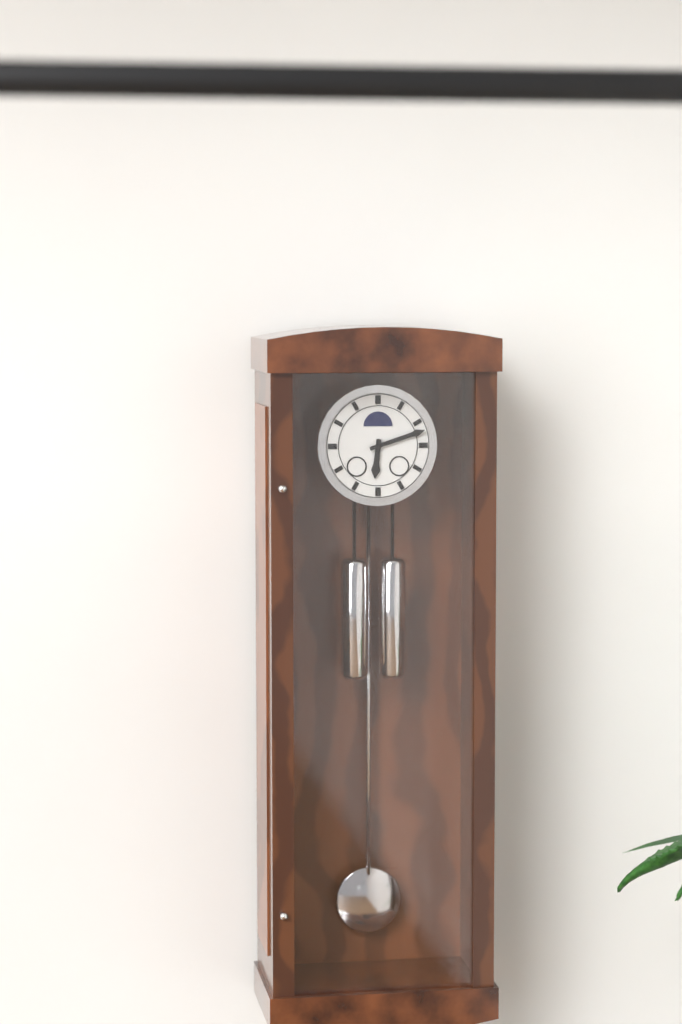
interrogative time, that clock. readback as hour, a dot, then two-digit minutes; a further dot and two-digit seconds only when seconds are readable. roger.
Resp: 6.12
